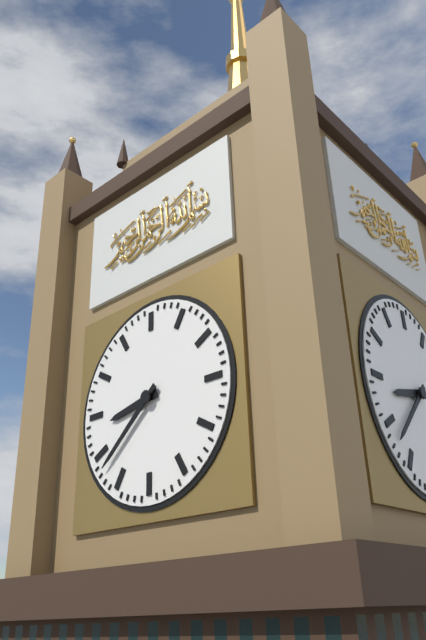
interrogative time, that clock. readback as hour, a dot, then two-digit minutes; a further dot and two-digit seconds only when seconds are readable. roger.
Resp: 8.38
